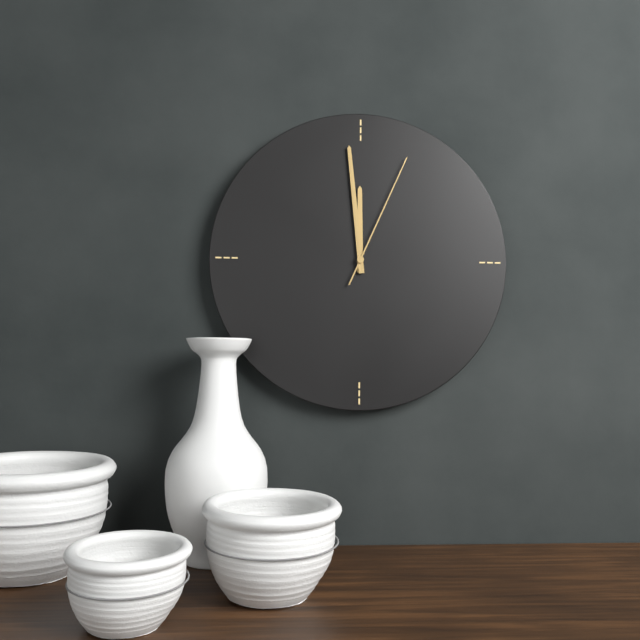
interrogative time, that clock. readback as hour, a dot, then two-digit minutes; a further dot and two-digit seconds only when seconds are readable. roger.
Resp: 11.59.04
